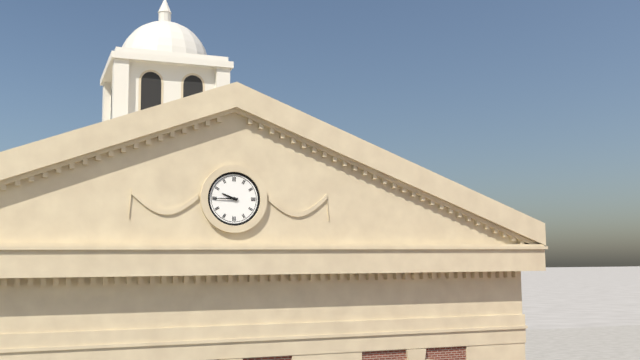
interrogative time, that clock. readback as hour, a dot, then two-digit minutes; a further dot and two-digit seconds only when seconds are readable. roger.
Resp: 9.45
